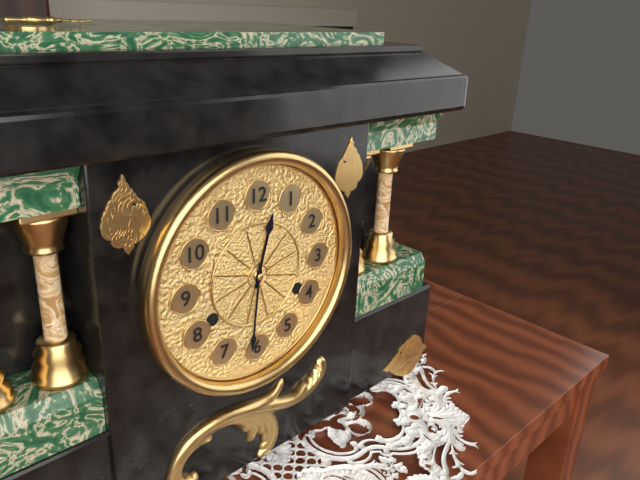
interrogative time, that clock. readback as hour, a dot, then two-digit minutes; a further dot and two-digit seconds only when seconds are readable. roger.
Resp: 12.31
